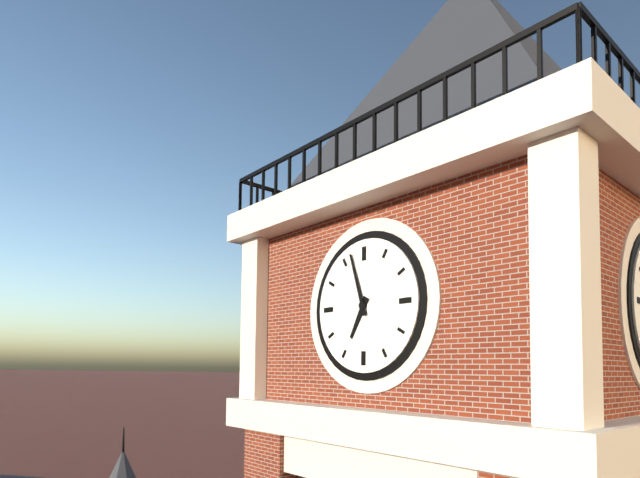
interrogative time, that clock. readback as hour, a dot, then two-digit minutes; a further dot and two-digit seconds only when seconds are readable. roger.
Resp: 6.57
